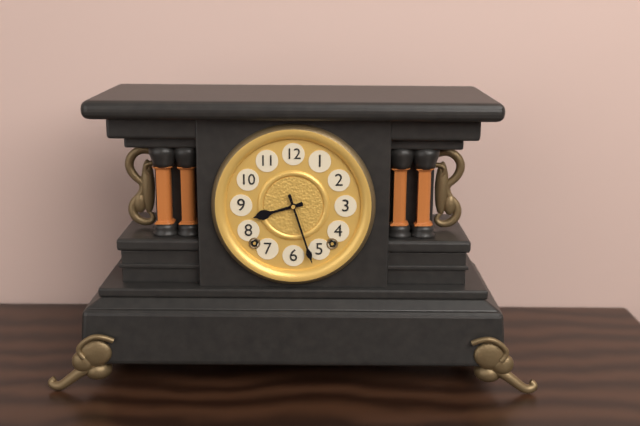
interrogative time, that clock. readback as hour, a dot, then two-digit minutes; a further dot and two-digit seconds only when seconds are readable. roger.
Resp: 8.27
